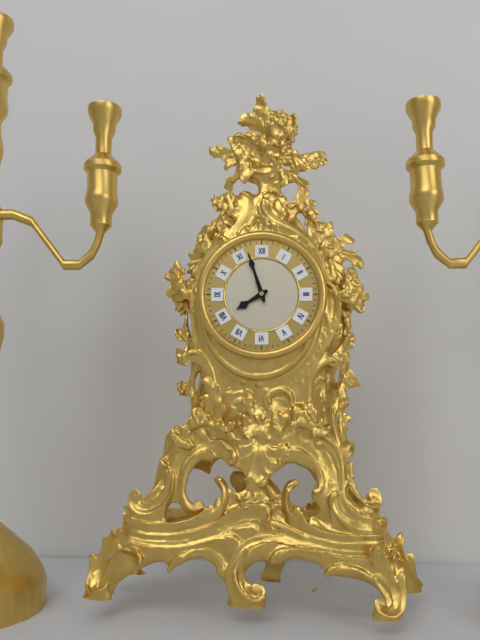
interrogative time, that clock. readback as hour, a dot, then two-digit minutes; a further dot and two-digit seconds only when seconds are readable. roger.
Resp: 7.57
